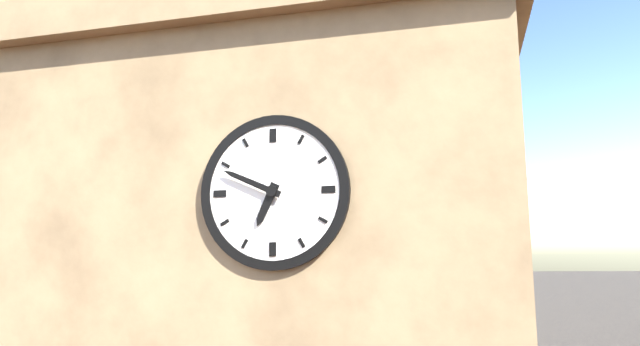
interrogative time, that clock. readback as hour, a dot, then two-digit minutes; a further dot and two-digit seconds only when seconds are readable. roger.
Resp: 6.49
